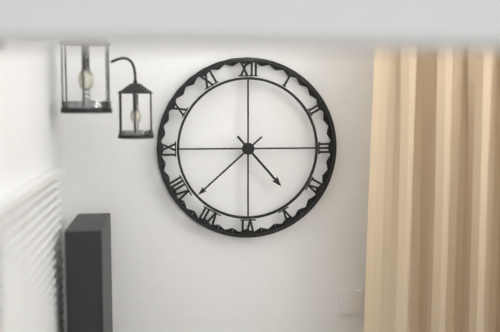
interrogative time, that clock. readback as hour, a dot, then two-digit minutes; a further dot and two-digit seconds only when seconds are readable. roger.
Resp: 4.38
